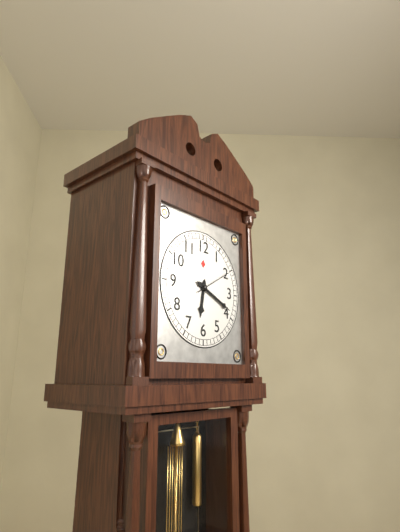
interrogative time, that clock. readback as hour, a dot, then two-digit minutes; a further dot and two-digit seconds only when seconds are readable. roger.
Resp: 6.19
